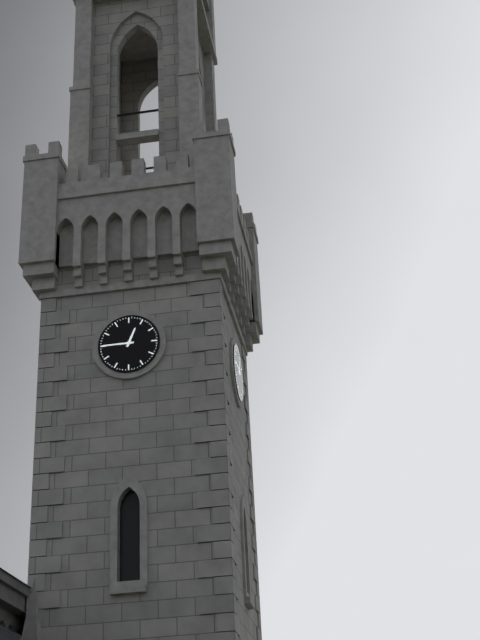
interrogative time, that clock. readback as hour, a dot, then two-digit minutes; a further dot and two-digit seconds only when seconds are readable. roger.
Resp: 12.45
